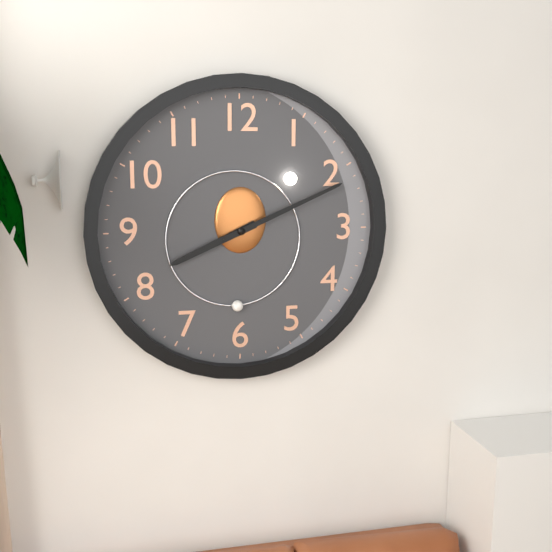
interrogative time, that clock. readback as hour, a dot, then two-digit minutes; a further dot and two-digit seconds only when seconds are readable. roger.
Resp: 8.11
